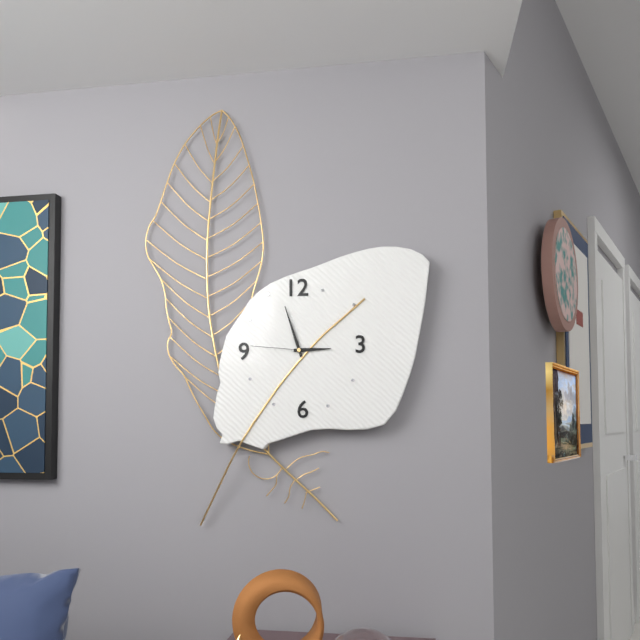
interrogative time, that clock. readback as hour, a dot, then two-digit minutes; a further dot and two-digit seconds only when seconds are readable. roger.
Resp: 2.57.46
